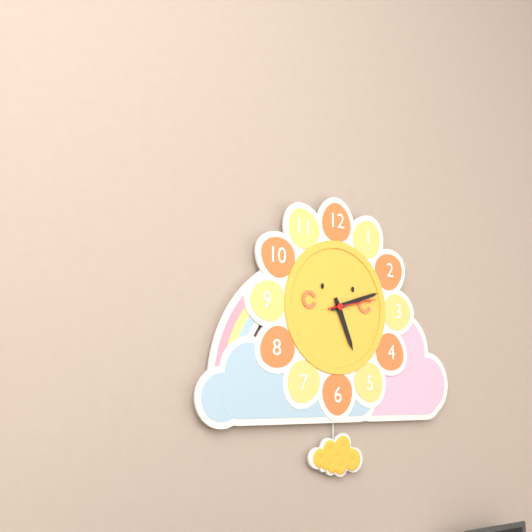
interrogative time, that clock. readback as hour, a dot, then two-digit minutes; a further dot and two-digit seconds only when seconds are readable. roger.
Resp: 5.12.13
